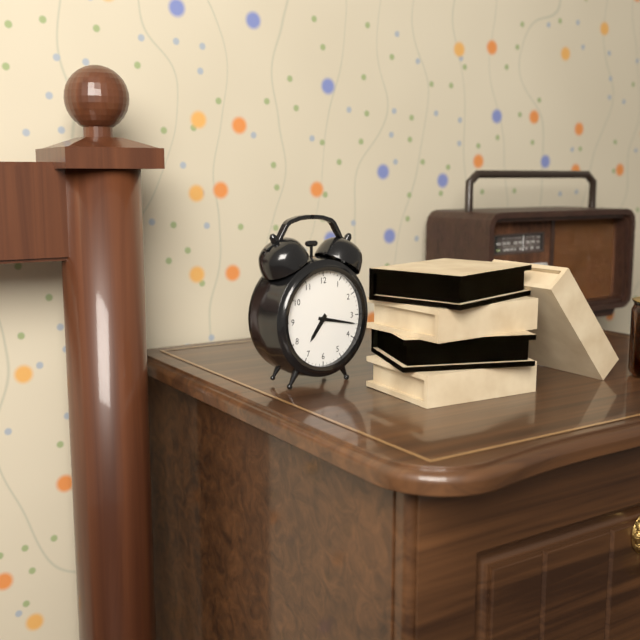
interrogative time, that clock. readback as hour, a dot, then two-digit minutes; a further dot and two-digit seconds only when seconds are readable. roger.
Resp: 7.17
